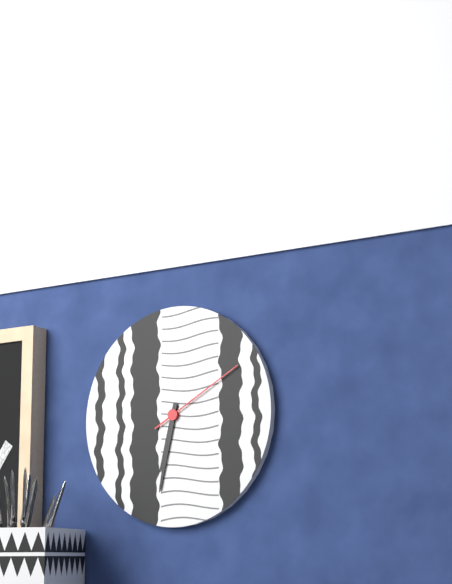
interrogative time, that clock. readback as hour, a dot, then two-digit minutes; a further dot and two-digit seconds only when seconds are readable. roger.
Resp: 6.32.10
